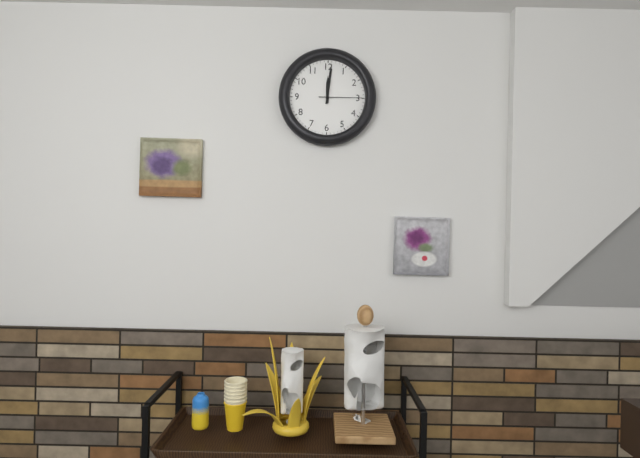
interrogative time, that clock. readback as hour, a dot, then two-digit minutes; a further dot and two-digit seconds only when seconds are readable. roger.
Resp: 12.01
